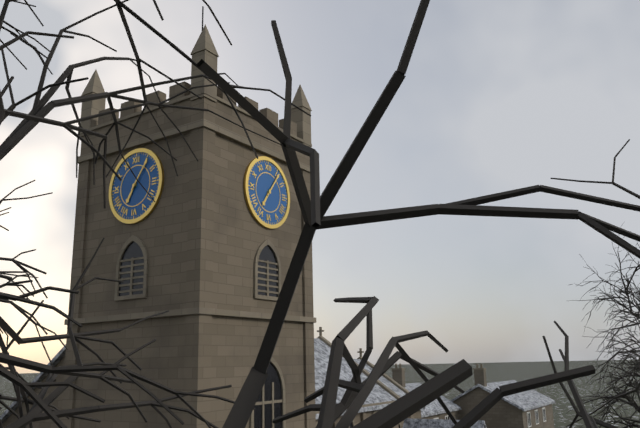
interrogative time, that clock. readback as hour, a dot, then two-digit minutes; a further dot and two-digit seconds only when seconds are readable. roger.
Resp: 7.06
